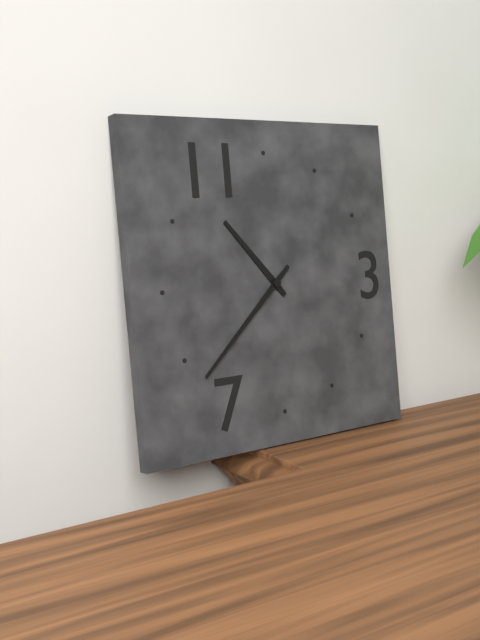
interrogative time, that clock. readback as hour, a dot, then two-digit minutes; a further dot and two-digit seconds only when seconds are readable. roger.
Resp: 10.38
